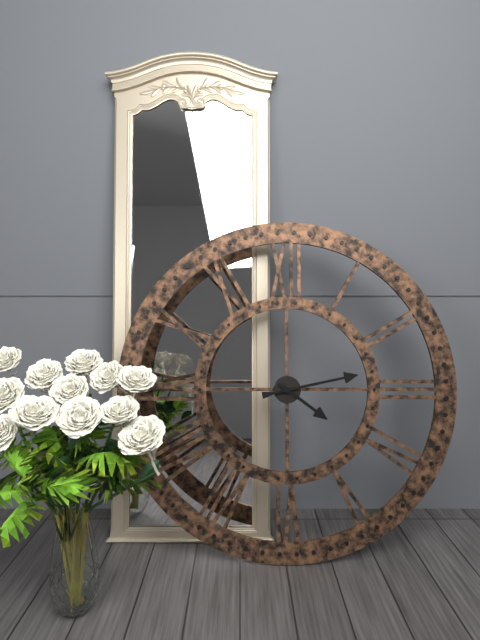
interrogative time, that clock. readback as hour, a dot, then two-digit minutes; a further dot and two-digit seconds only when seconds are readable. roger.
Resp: 4.13
